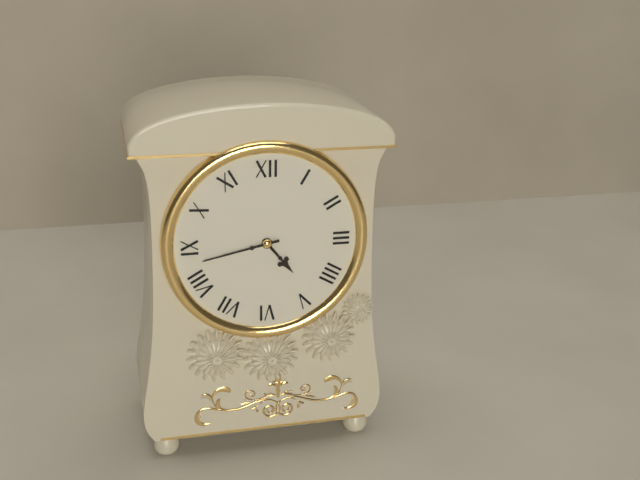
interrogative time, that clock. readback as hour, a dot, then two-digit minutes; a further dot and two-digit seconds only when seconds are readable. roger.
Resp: 4.43
